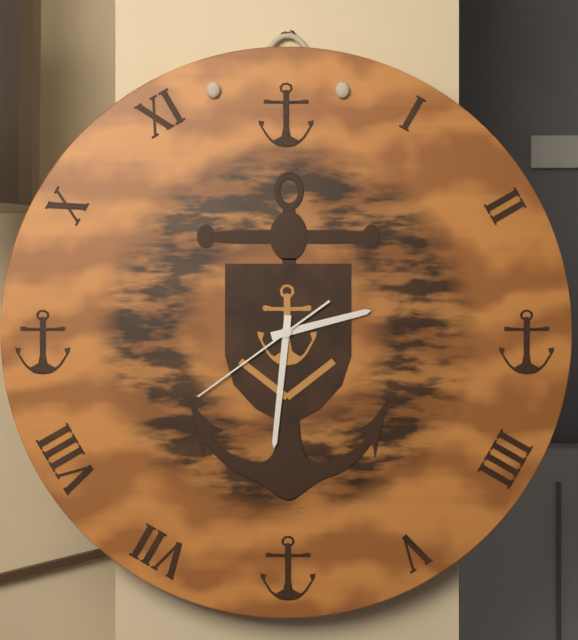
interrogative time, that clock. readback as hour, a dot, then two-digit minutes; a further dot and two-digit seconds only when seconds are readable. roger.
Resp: 2.31.39
